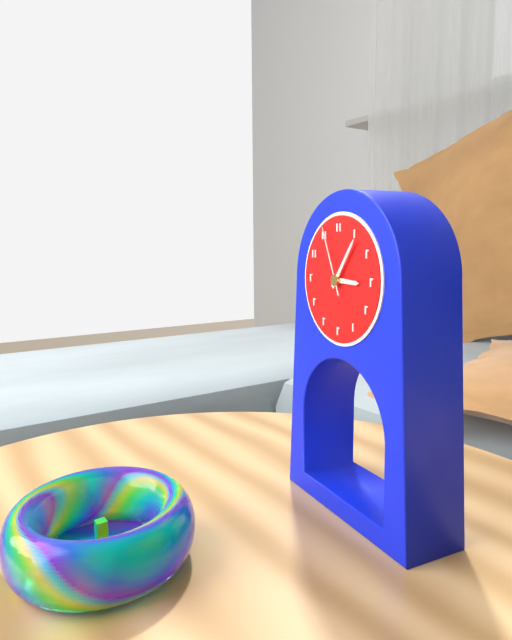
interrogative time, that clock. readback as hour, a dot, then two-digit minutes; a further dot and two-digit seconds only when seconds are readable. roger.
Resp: 3.06.56
